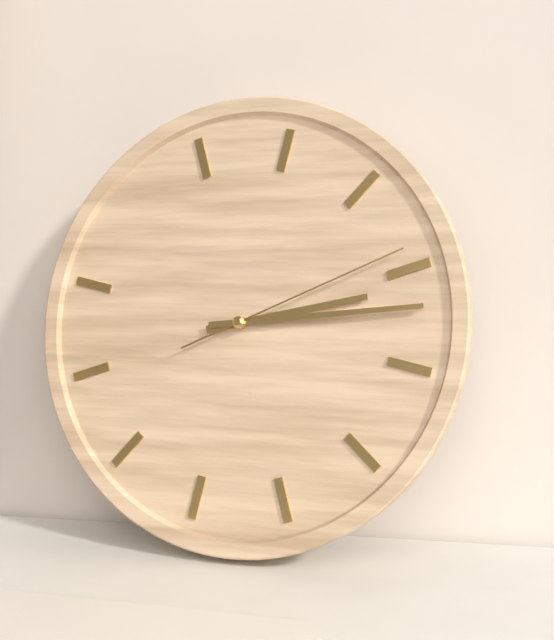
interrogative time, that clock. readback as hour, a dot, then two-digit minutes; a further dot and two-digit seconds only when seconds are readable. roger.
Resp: 2.12.09
